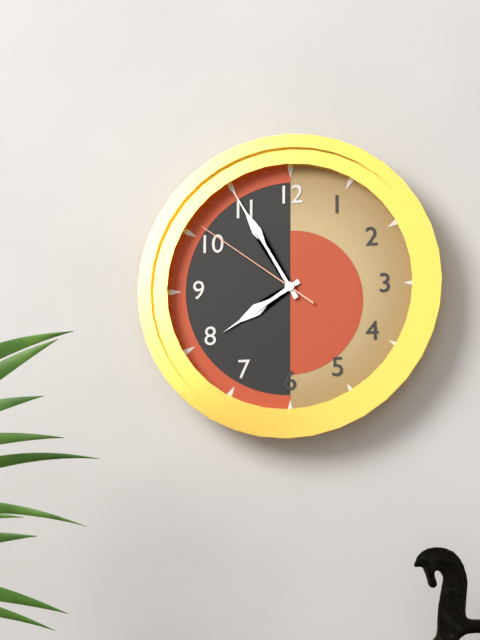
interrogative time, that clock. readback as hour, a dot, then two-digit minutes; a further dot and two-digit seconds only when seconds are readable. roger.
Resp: 7.55.51
